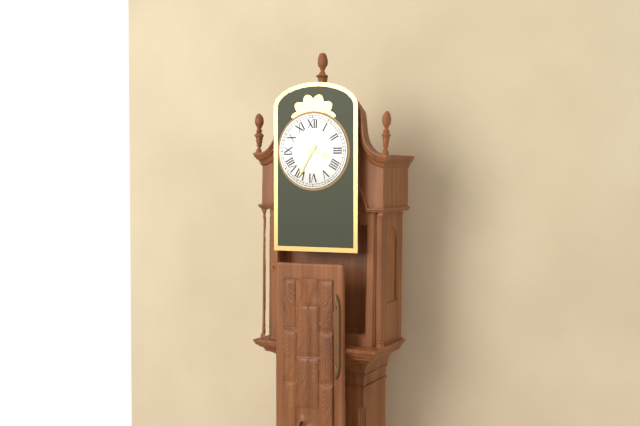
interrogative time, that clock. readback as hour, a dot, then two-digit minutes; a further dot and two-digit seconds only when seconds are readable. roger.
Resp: 3.35
